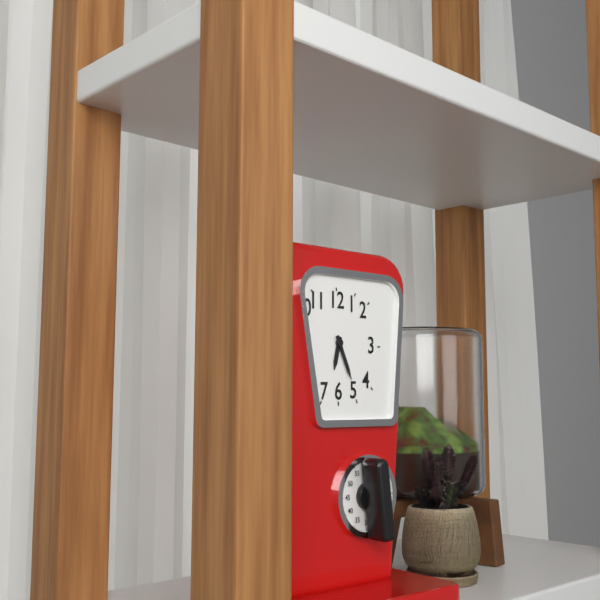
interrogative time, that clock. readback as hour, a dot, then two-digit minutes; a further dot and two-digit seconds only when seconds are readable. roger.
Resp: 6.26
